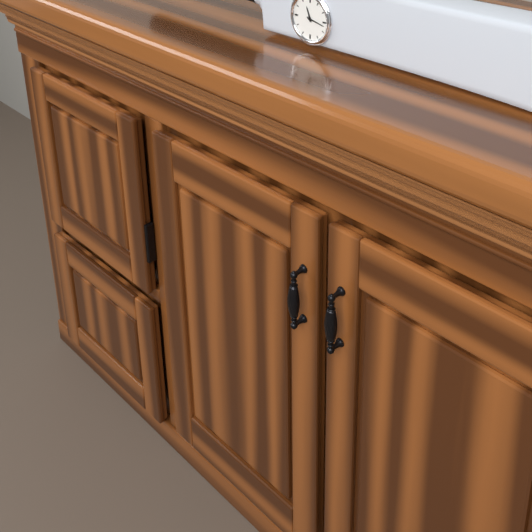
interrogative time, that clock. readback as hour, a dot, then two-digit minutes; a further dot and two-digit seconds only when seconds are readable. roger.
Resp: 11.17
